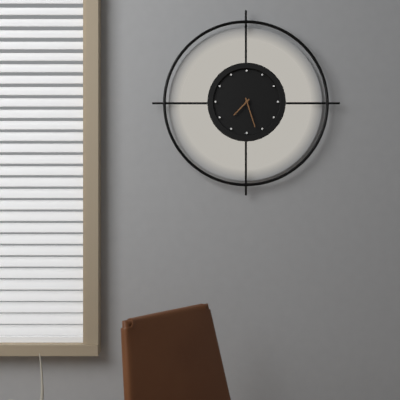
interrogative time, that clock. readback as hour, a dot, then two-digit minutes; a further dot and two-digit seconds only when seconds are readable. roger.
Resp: 7.27
